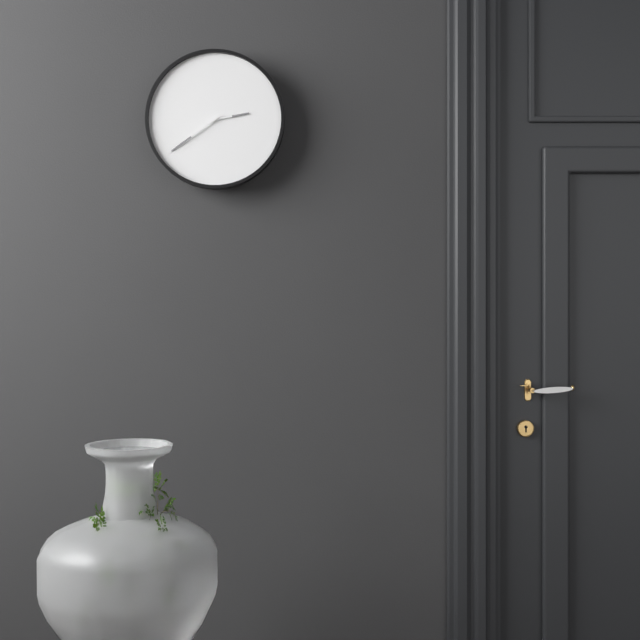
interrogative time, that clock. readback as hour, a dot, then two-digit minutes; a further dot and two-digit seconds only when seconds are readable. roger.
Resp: 2.39
